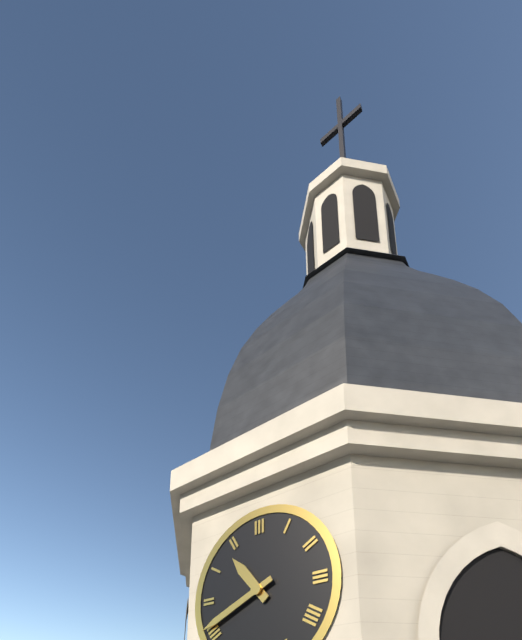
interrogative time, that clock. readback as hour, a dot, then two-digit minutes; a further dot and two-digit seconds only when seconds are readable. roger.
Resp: 10.41
